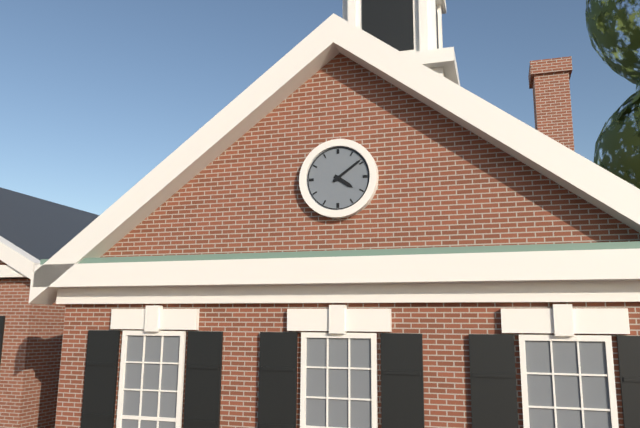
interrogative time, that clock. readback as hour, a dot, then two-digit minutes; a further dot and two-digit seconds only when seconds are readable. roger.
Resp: 4.09
